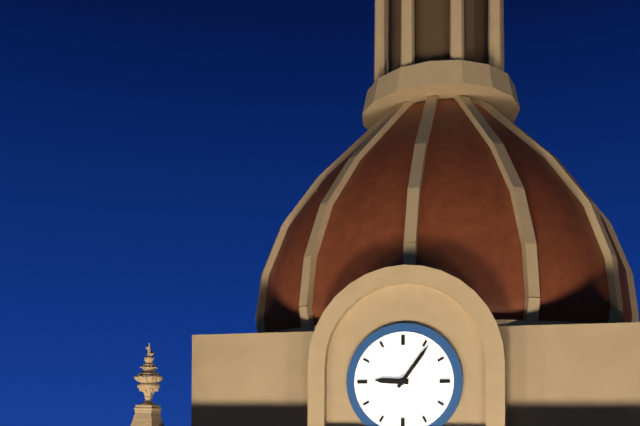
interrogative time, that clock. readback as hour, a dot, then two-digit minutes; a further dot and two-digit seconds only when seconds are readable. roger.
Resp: 9.06
